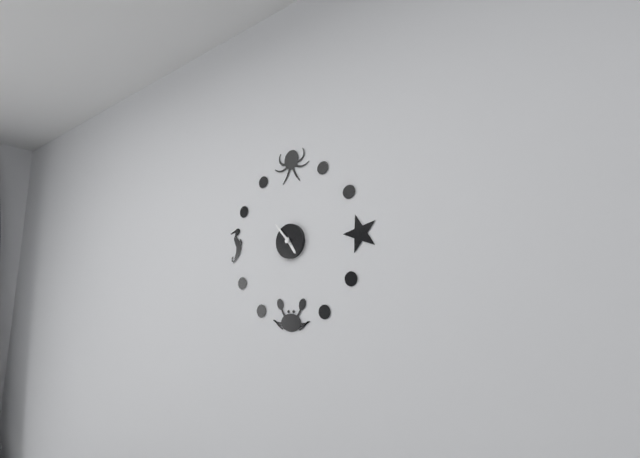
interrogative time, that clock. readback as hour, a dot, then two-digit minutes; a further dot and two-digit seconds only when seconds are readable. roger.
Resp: 4.53
